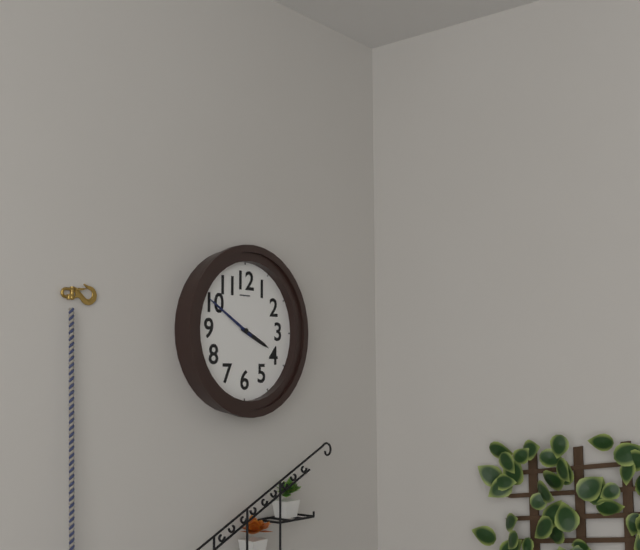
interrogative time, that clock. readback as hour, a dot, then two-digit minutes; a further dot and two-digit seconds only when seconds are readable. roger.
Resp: 3.50
